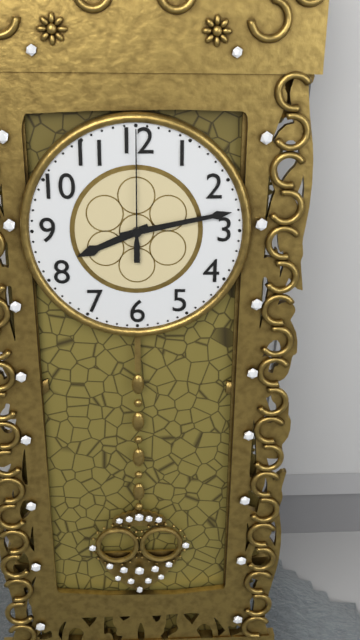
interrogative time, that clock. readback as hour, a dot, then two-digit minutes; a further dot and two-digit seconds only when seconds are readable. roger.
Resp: 8.13.00
